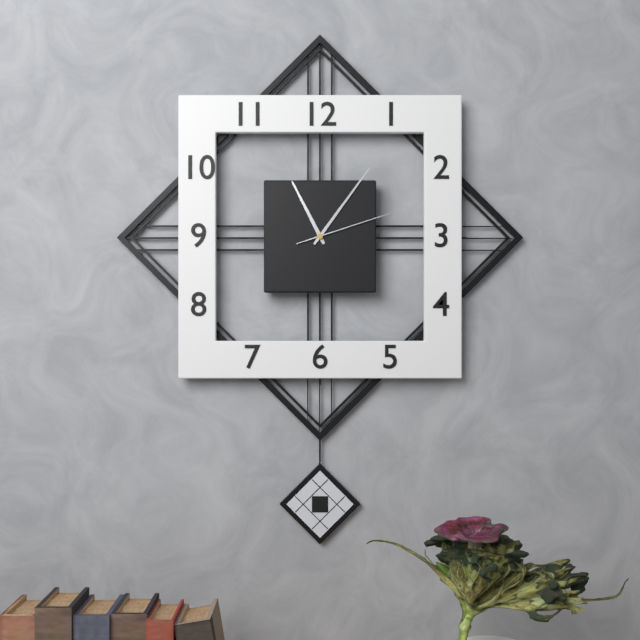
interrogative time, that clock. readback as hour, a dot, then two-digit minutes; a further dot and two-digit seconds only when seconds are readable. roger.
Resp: 11.06.12
